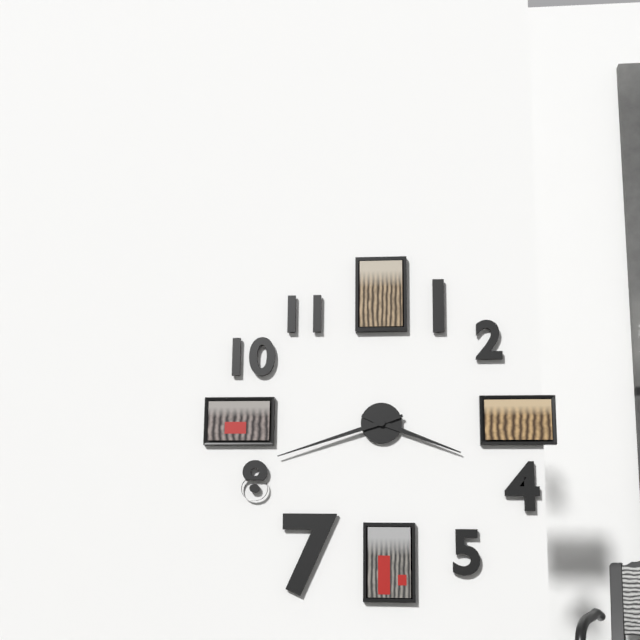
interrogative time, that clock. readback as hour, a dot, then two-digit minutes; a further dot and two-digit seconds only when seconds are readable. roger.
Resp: 3.42
